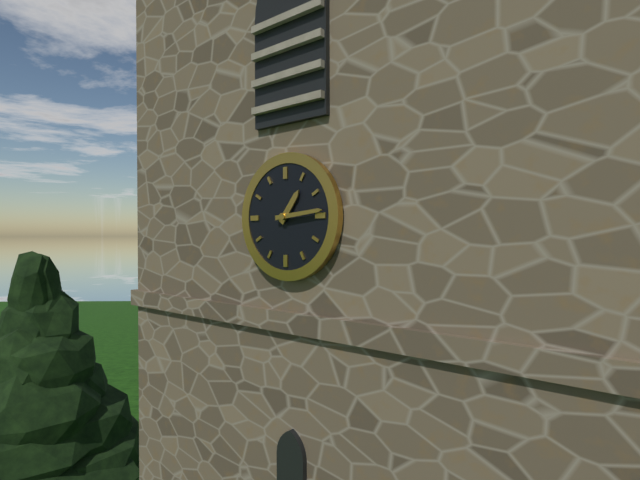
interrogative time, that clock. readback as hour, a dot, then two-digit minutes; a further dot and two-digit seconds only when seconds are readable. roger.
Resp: 1.14
